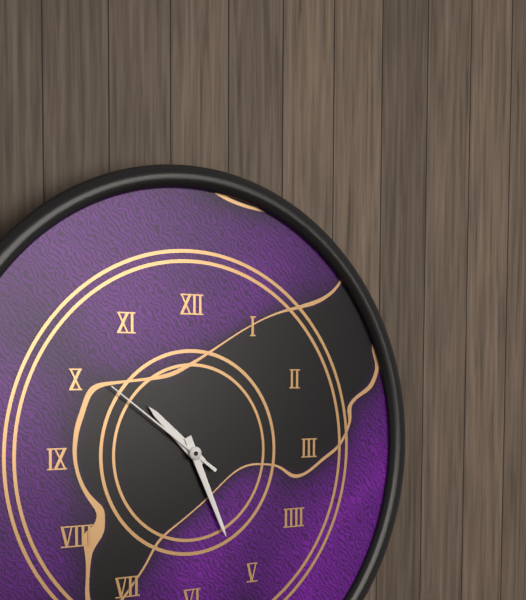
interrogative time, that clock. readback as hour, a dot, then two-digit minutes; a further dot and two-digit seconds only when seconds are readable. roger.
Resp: 10.26.51
